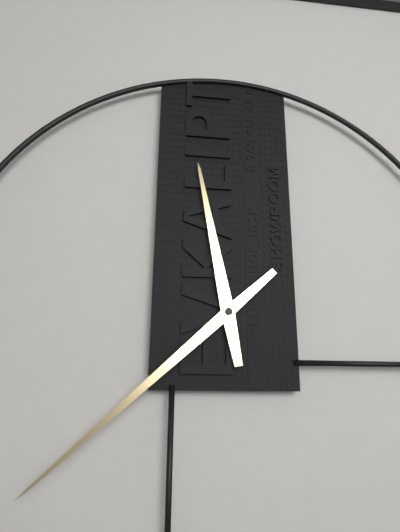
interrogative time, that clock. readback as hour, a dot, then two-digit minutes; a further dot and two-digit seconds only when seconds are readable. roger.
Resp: 11.38
